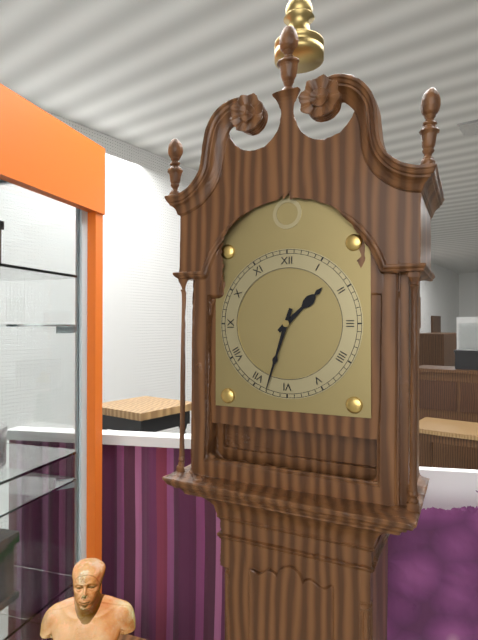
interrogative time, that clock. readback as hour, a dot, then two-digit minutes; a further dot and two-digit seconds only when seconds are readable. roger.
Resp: 1.33
